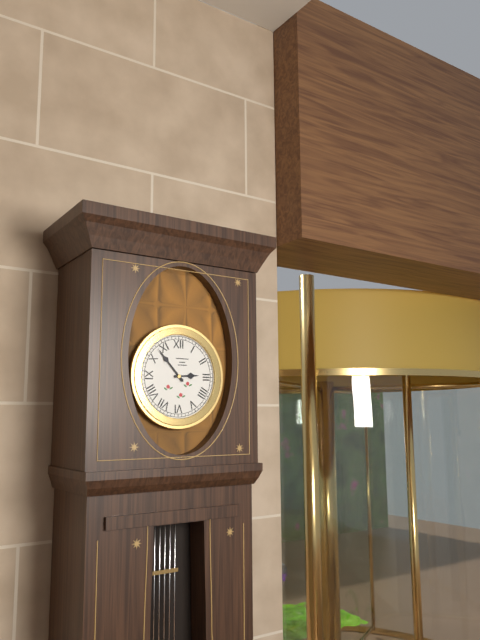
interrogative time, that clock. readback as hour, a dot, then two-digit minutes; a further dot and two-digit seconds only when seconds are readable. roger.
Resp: 2.53
